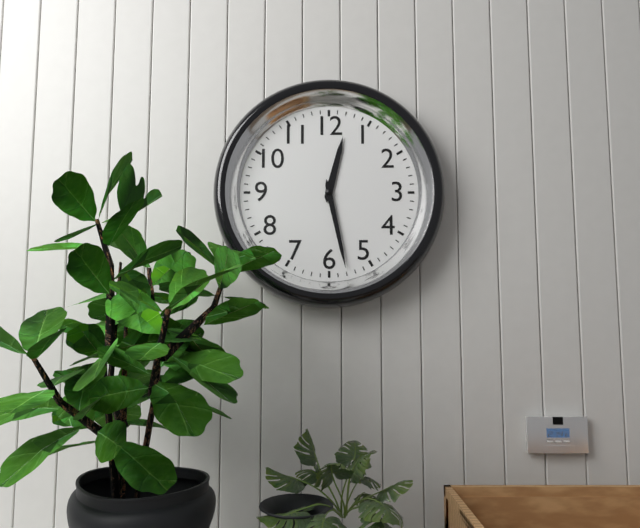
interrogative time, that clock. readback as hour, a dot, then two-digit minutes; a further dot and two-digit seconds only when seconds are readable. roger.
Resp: 12.28
